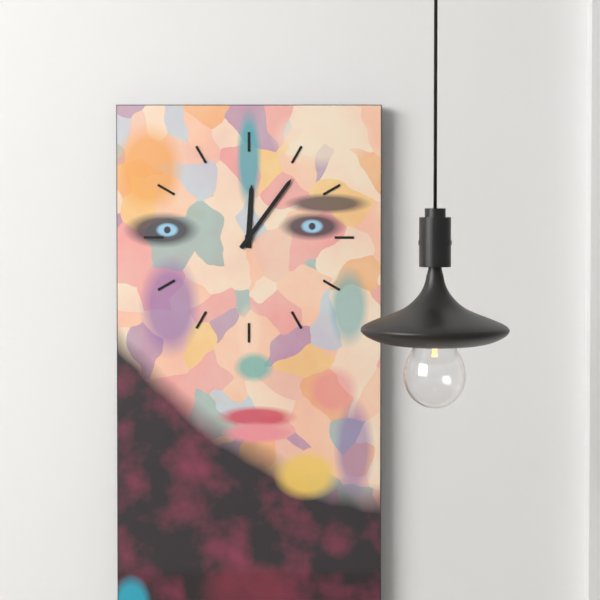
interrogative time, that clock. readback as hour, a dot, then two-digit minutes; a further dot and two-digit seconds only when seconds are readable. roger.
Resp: 12.06
